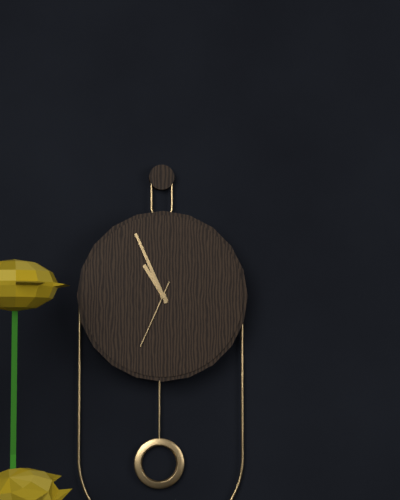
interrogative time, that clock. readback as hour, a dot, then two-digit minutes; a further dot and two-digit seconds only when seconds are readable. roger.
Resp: 10.56.34
